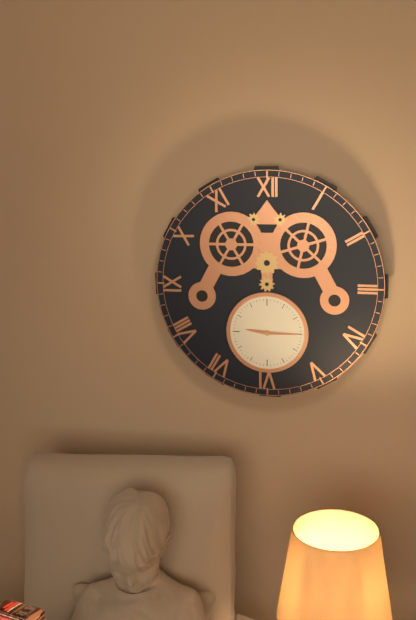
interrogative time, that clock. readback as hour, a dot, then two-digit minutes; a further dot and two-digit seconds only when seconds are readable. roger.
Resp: 9.15
